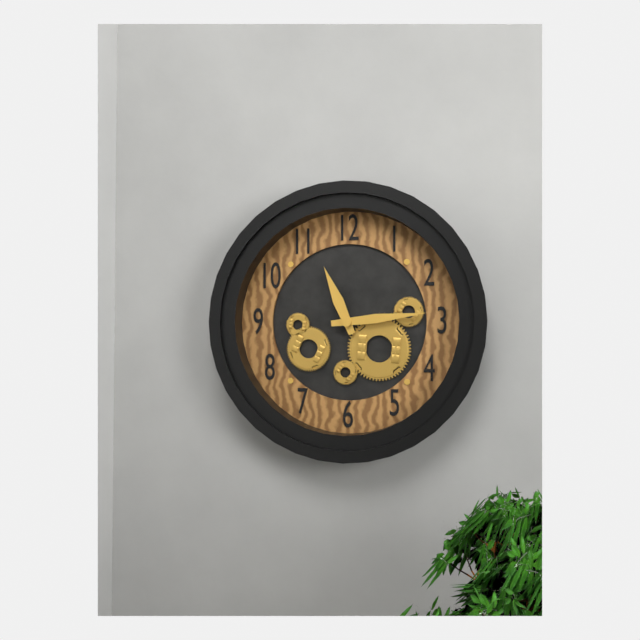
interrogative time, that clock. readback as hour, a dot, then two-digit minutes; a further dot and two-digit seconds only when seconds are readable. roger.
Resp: 11.14
